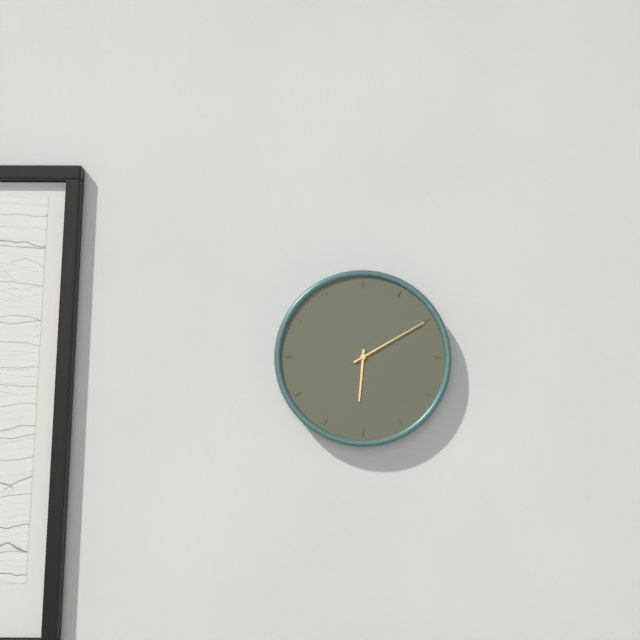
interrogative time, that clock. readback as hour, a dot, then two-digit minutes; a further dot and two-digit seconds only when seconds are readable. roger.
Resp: 6.10
